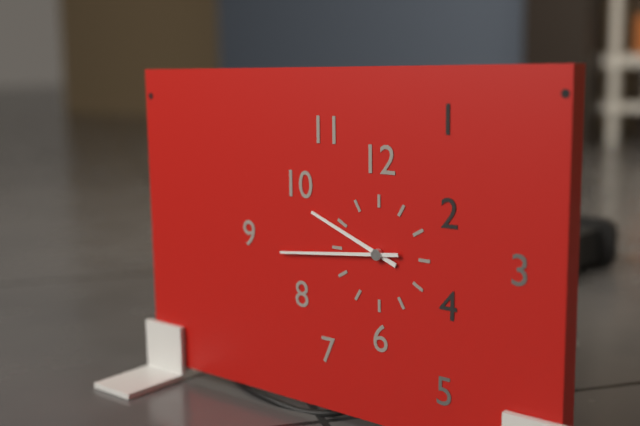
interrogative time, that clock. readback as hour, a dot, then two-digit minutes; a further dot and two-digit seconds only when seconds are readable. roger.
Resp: 9.44
